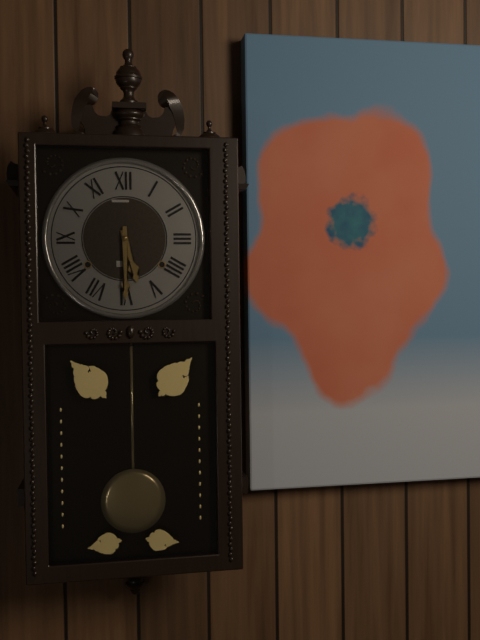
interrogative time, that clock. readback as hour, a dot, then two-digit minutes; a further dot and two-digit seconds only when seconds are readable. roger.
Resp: 5.30
